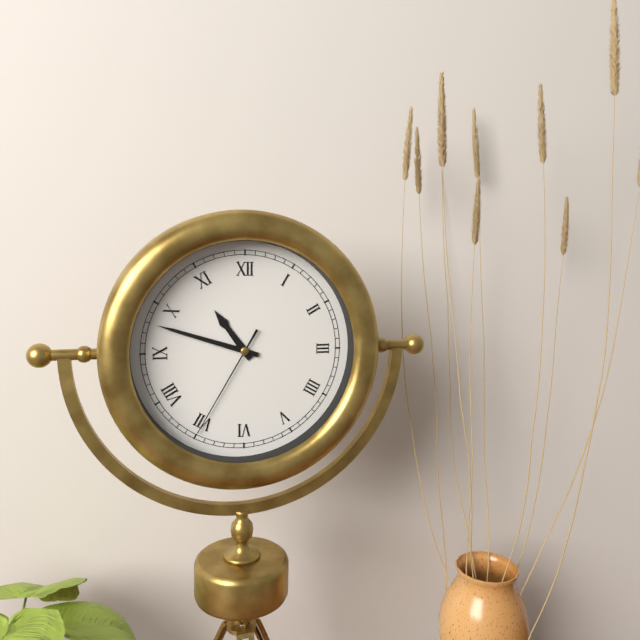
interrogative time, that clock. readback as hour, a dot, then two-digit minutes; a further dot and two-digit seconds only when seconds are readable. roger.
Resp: 10.48.35
